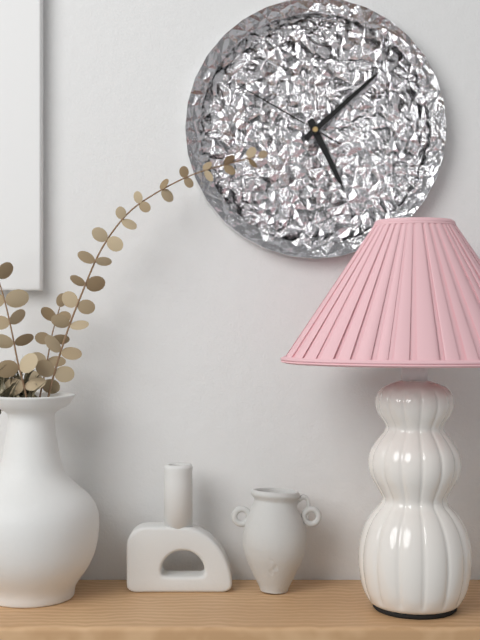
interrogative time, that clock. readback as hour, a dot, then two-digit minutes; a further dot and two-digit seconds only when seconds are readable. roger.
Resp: 5.08.50
